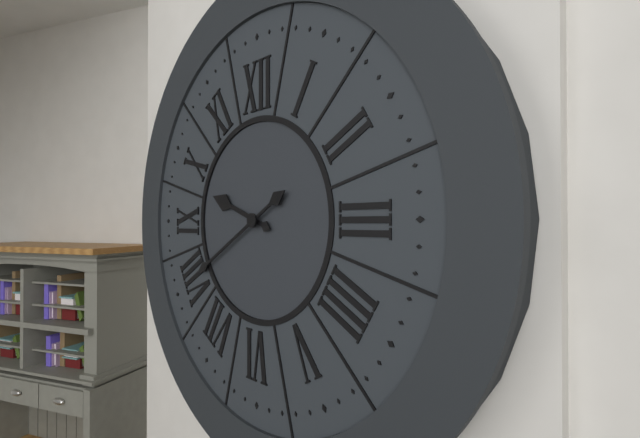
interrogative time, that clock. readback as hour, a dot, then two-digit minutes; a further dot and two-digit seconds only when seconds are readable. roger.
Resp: 9.40
